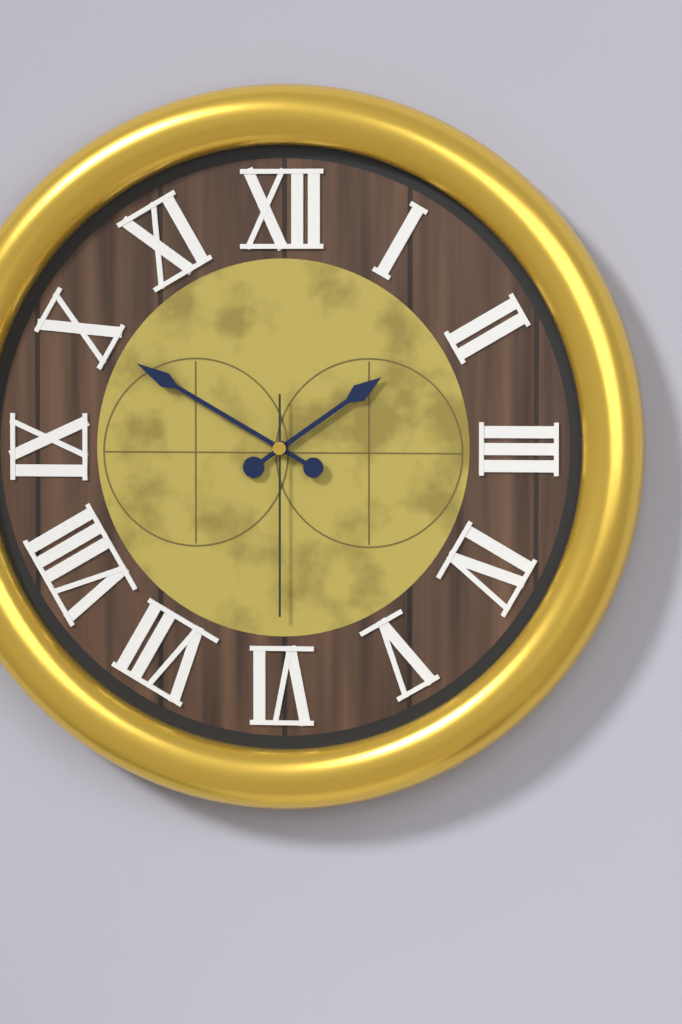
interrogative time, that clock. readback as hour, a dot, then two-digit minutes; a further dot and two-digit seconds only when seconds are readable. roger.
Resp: 1.50.30
